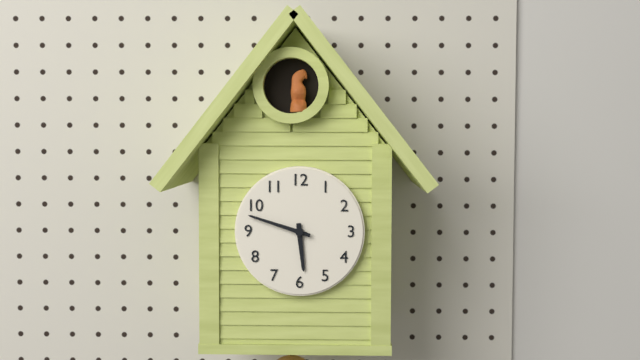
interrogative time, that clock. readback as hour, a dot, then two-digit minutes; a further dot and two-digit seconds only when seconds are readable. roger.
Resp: 5.48
